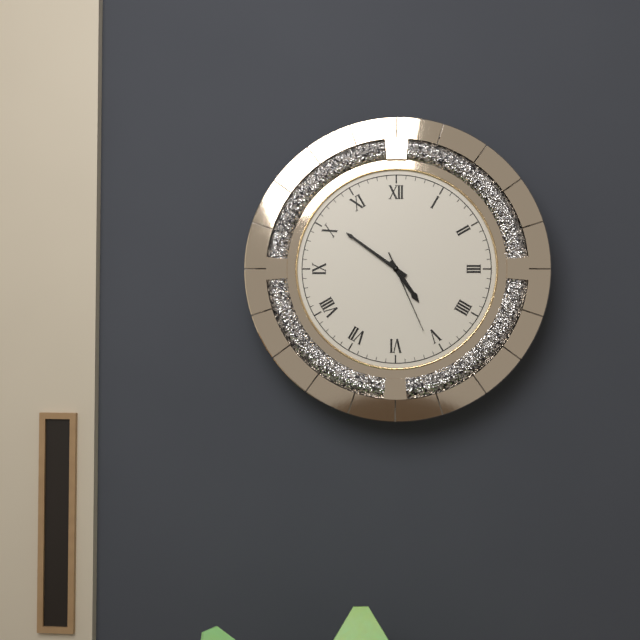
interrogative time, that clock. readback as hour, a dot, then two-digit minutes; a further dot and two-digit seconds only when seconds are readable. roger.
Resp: 4.51.26
